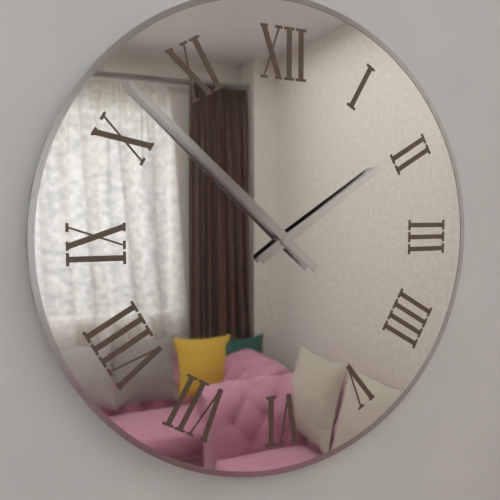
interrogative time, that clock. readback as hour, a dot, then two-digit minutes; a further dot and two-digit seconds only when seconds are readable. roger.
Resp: 1.52
